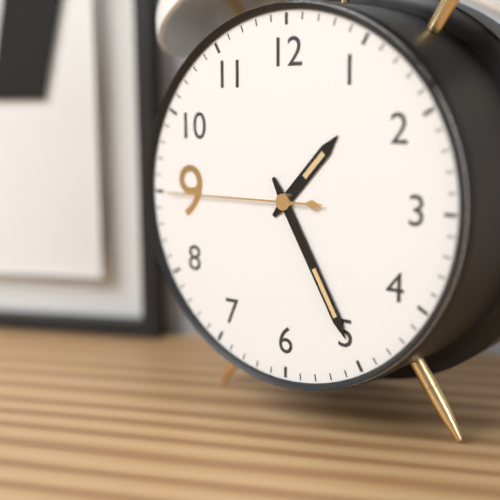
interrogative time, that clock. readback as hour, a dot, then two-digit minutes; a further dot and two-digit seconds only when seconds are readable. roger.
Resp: 1.25.45
